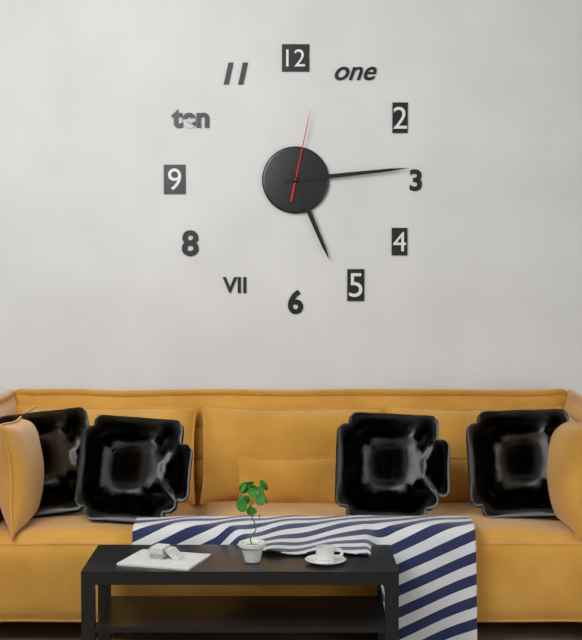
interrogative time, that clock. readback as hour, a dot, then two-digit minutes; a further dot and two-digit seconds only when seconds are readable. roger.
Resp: 5.14.02
